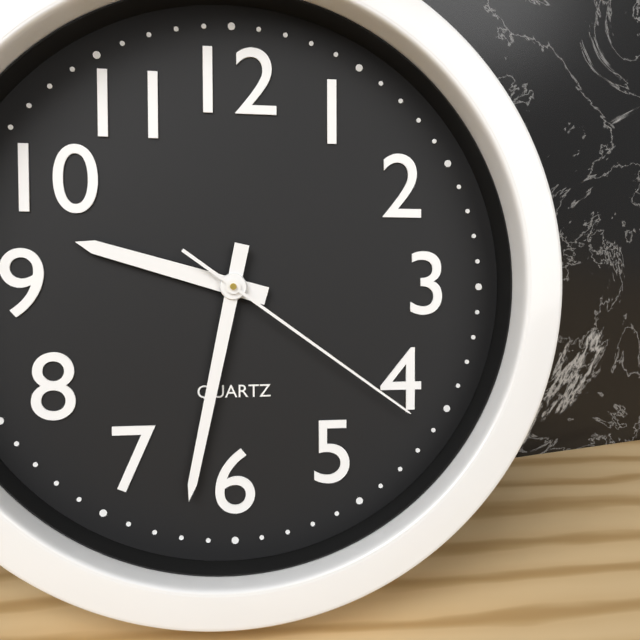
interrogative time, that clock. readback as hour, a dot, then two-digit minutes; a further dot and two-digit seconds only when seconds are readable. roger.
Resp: 9.32.21
